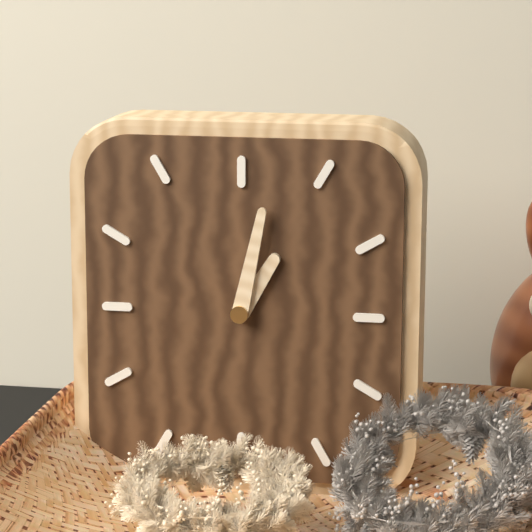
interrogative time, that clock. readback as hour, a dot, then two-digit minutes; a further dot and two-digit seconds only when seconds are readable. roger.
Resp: 1.02
